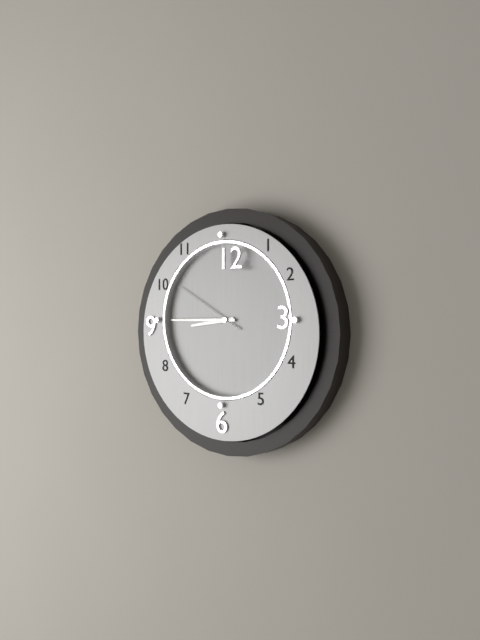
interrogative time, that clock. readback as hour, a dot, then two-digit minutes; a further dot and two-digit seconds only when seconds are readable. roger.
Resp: 8.45.50
